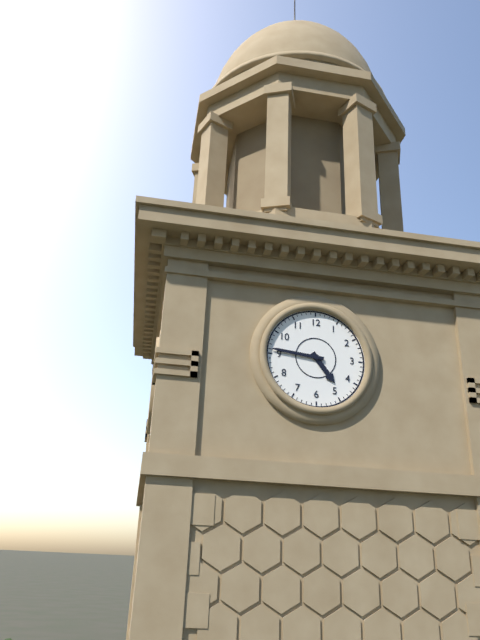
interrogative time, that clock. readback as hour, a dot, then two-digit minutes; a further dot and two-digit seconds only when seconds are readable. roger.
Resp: 4.46
